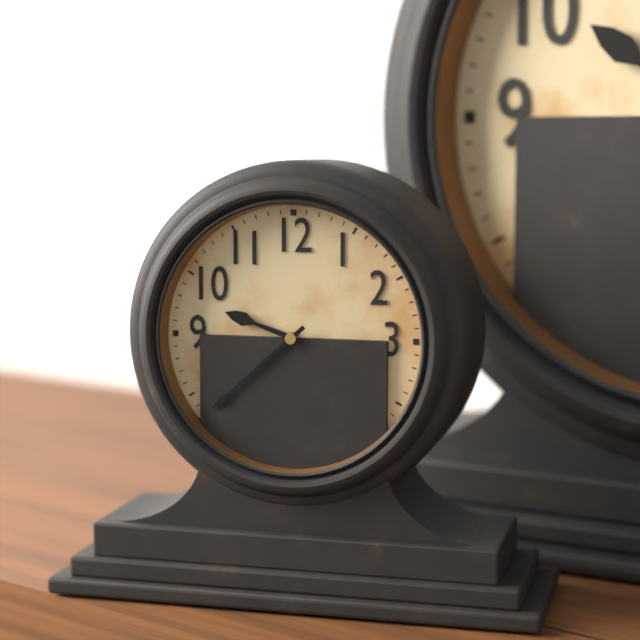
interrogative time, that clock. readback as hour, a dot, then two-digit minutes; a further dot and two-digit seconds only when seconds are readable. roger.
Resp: 9.38
